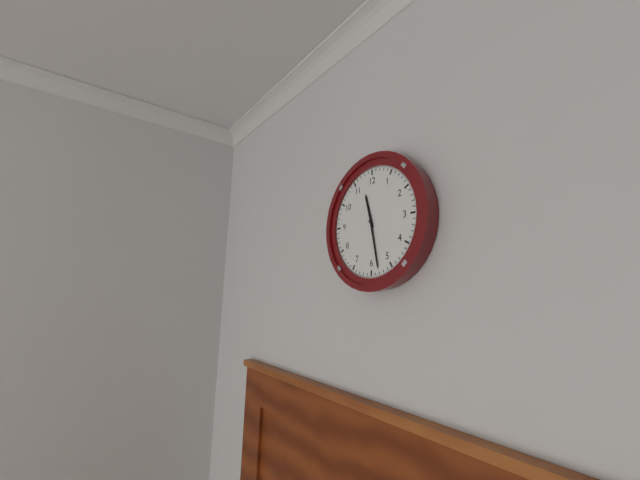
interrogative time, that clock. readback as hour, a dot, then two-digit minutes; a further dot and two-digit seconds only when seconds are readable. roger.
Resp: 11.28
